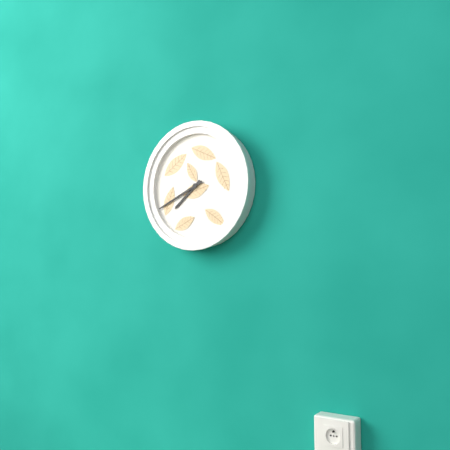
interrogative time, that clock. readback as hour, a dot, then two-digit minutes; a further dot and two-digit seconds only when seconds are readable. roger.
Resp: 7.41
